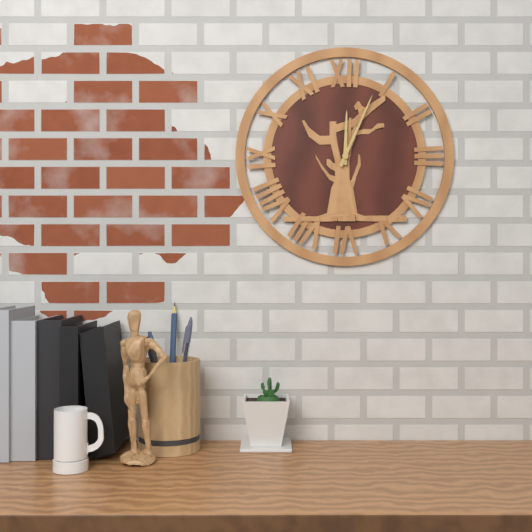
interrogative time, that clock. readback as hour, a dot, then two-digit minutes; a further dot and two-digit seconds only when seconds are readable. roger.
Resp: 12.04
